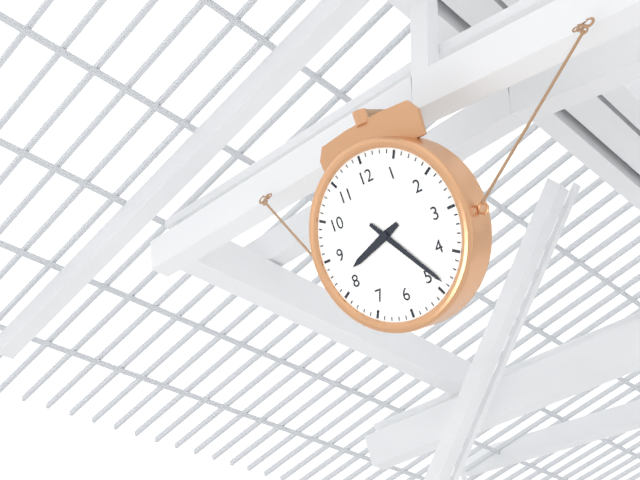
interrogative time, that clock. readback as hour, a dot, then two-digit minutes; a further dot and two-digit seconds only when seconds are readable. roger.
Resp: 8.24
